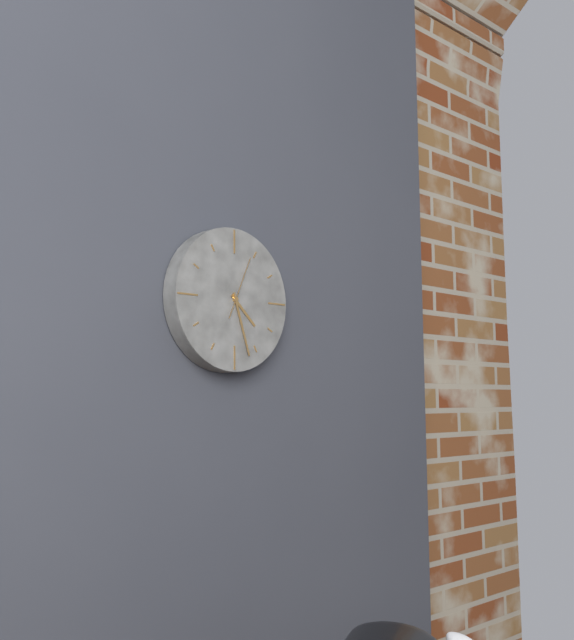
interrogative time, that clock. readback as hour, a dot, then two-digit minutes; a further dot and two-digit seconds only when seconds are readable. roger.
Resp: 4.27.04
